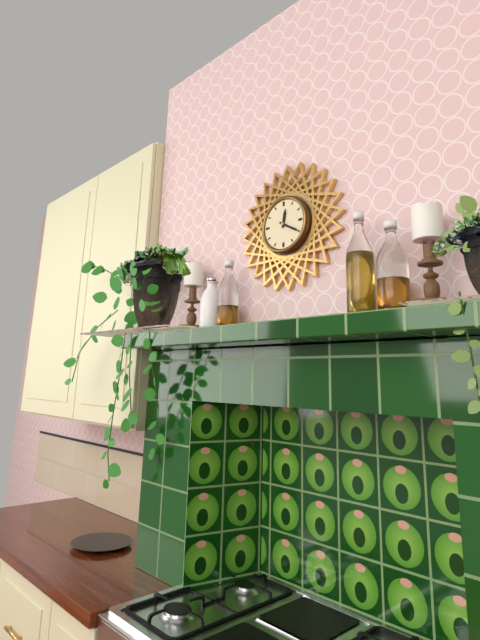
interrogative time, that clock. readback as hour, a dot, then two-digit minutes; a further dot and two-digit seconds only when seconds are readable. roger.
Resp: 12.20
